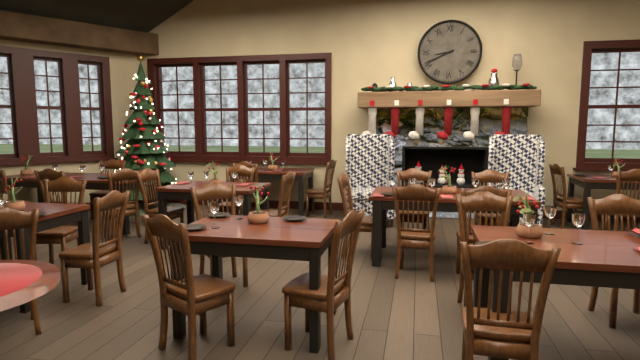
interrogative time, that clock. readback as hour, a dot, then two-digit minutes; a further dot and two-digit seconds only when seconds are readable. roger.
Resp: 8.41
